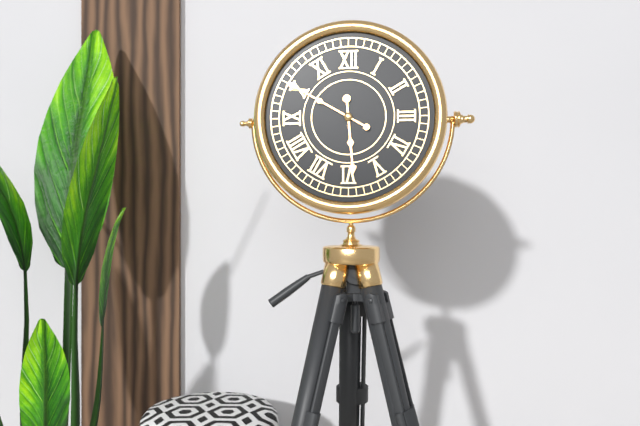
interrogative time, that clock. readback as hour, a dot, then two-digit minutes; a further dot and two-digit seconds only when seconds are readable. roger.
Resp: 5.50
